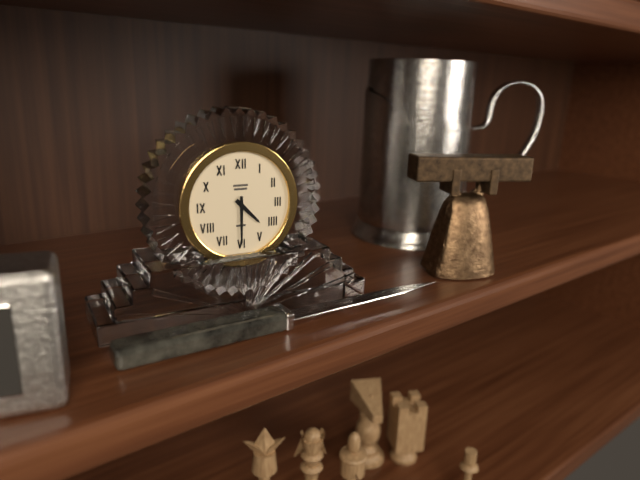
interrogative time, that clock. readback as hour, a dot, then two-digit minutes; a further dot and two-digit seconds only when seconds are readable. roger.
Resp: 4.30
